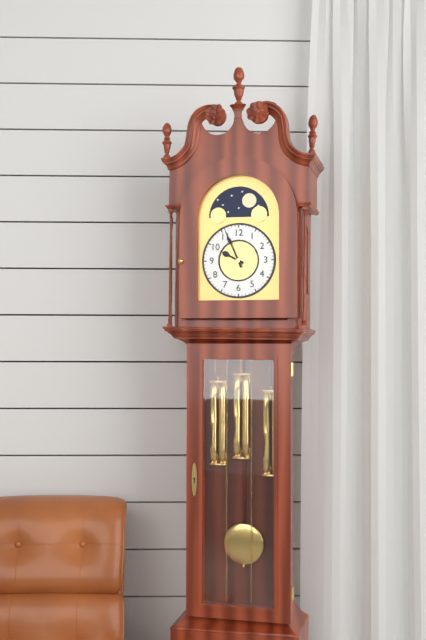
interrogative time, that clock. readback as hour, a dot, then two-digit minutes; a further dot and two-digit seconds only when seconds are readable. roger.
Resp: 9.56
